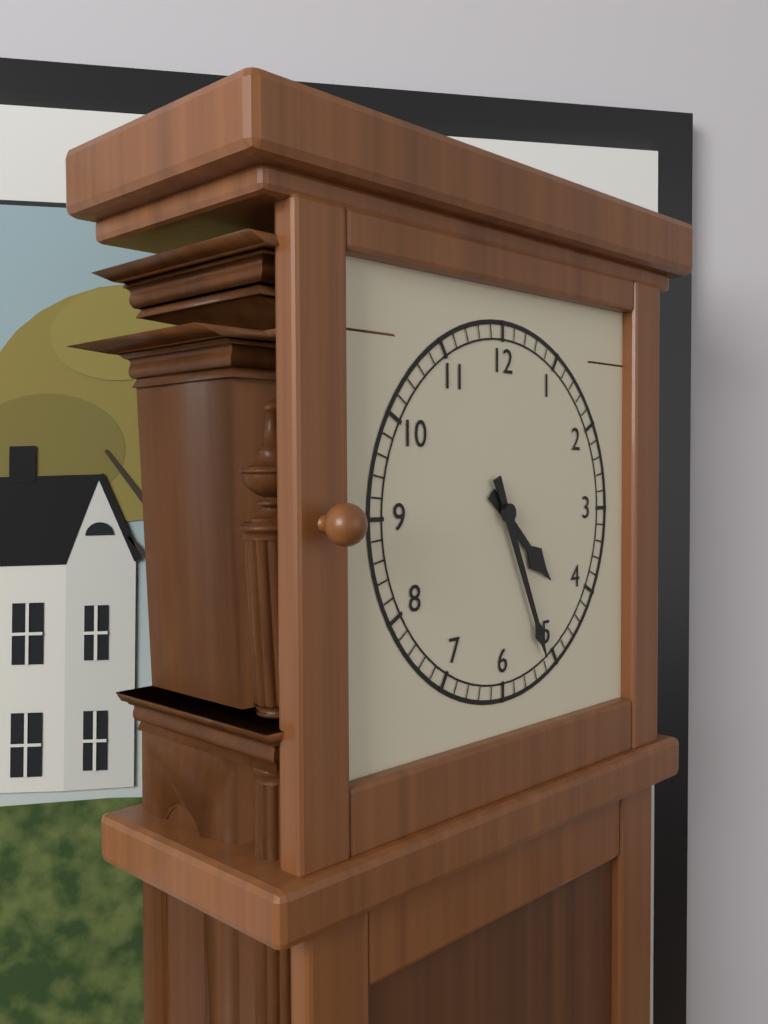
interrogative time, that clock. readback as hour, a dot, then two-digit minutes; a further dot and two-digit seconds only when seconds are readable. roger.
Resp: 4.26
